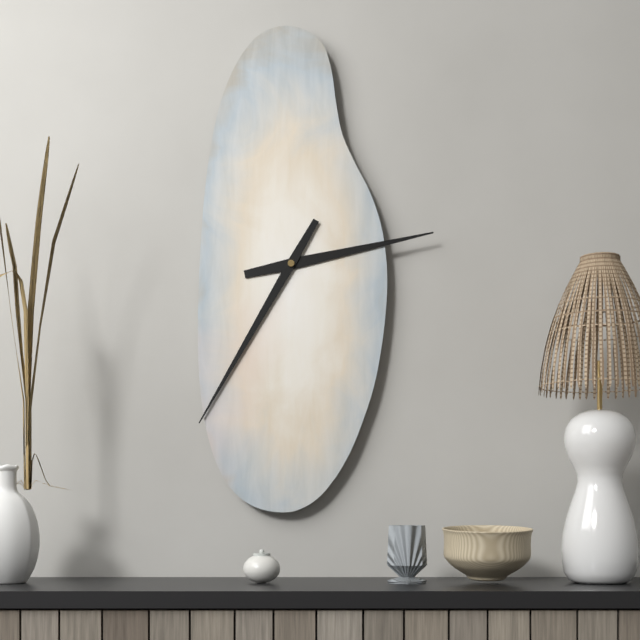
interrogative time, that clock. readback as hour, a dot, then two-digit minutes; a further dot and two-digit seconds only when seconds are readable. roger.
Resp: 2.35
